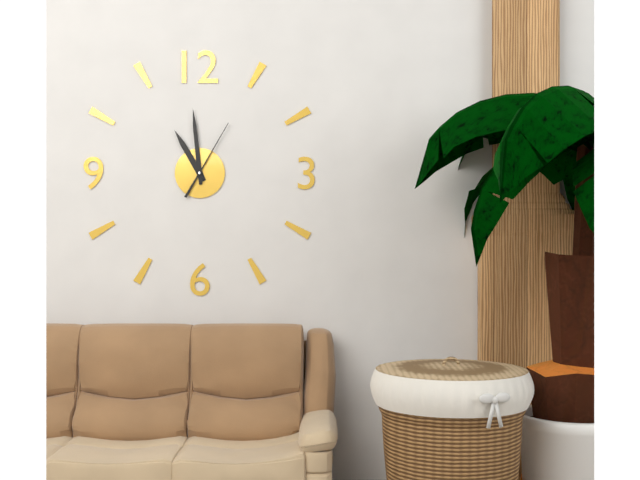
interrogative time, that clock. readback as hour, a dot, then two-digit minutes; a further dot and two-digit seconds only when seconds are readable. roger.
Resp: 10.59.05
